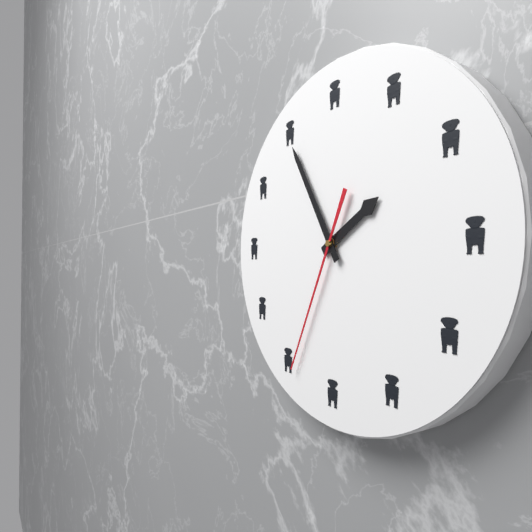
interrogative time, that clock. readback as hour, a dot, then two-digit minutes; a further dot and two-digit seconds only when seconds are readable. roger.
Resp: 1.55.34
